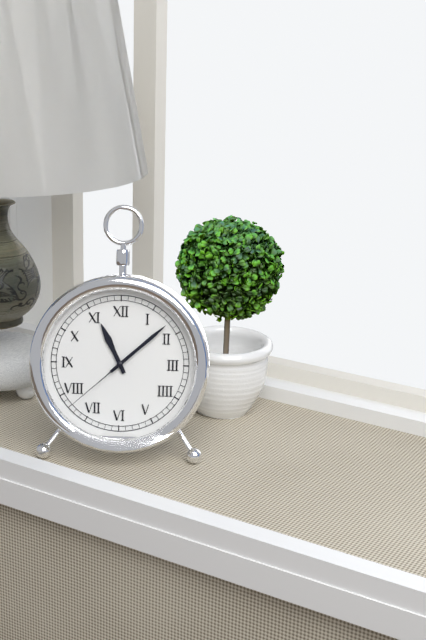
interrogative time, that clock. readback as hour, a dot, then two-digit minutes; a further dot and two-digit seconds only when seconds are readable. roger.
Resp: 11.08.38
